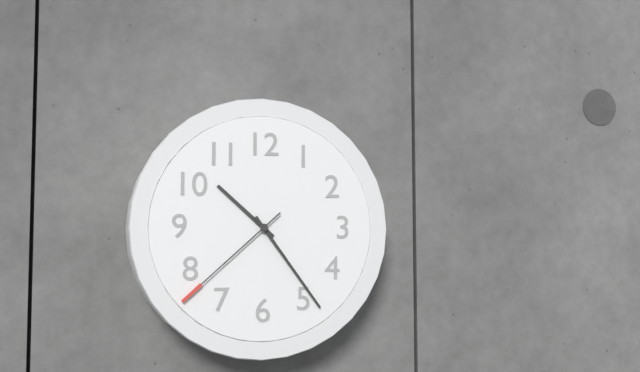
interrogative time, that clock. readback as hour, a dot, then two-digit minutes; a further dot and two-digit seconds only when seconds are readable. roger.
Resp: 10.24.38
